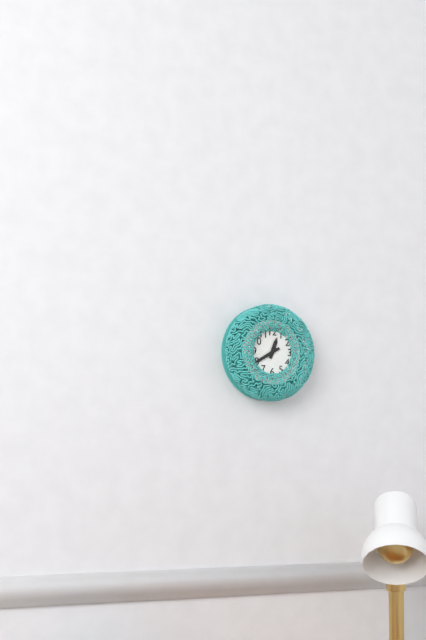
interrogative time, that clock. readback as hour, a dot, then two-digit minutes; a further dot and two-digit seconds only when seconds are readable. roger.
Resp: 12.40
